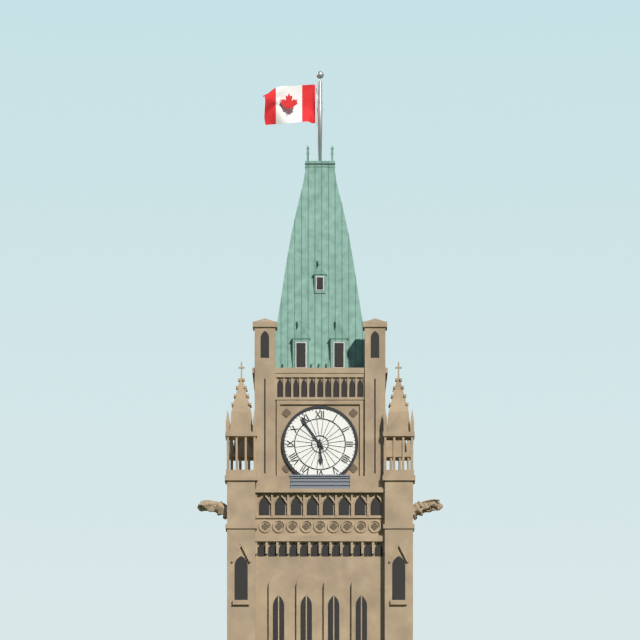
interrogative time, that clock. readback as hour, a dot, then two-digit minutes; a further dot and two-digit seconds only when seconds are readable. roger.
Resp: 5.54
